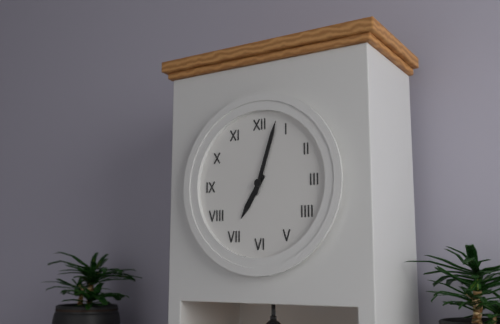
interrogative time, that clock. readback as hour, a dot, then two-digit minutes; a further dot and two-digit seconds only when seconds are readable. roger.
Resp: 7.03
